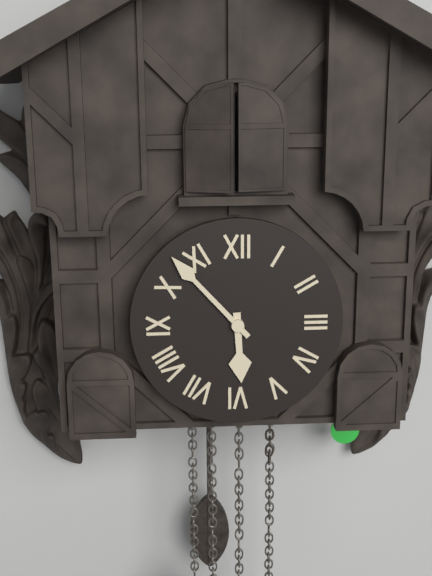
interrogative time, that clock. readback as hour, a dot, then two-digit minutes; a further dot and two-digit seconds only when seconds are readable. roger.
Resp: 5.53
